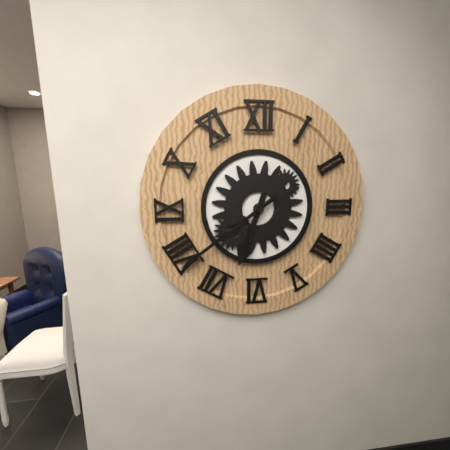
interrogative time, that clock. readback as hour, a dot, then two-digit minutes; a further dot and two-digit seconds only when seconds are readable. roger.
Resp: 6.39
